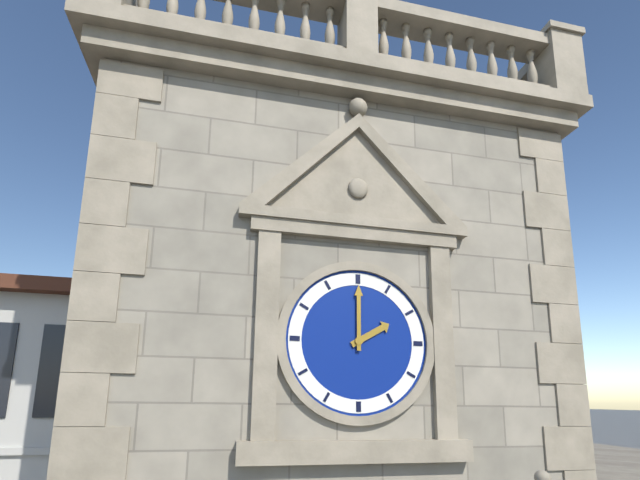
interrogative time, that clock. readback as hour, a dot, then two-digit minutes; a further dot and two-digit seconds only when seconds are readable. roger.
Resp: 2.00
